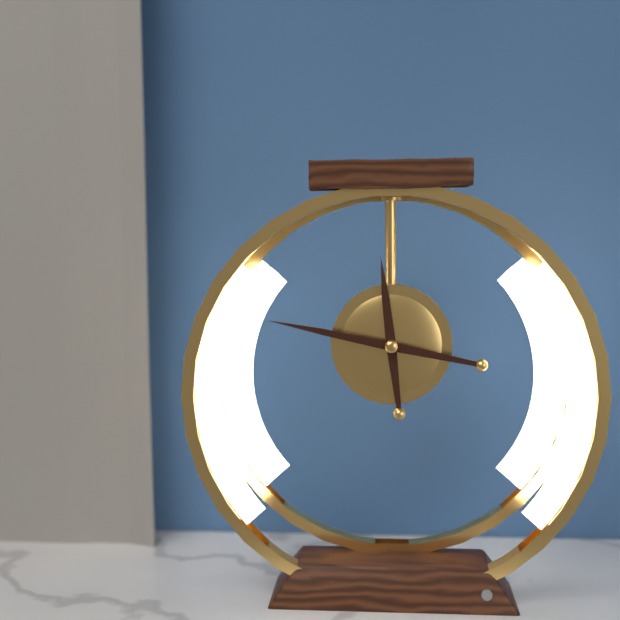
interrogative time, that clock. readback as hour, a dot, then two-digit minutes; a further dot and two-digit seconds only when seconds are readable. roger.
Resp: 11.47
